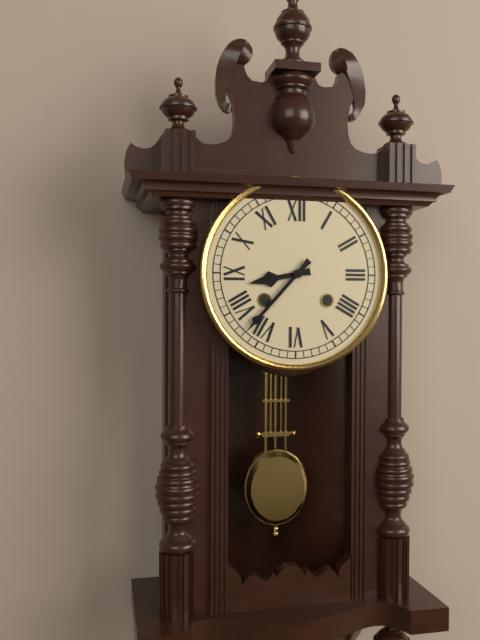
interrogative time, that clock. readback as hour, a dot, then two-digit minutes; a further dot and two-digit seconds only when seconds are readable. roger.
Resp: 8.37
